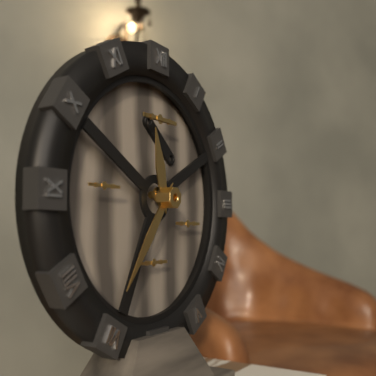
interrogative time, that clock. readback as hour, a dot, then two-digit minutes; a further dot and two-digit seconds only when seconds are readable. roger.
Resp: 11.36
